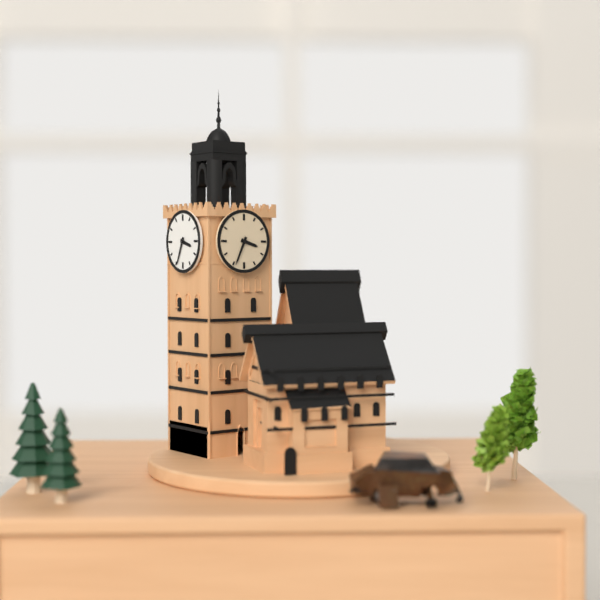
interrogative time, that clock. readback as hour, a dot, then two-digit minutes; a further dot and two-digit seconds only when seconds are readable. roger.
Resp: 3.34
